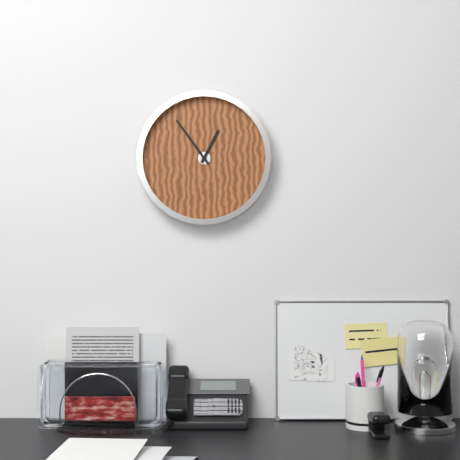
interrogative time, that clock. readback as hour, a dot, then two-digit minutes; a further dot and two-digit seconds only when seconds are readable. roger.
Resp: 12.54
